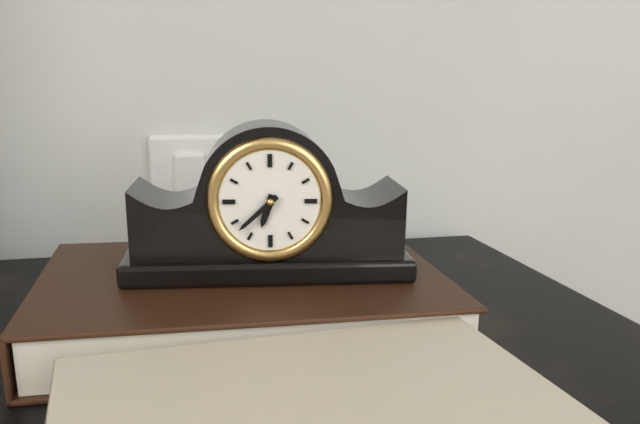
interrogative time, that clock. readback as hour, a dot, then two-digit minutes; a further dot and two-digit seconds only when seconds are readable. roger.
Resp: 6.38
